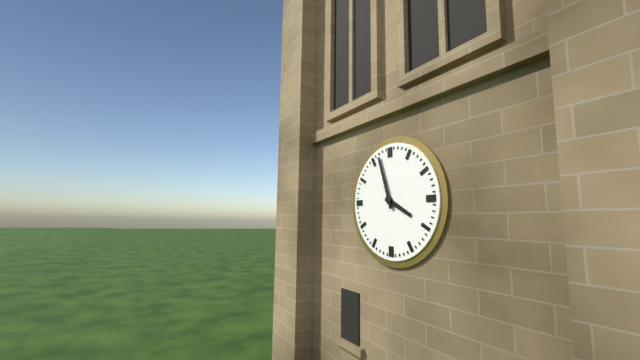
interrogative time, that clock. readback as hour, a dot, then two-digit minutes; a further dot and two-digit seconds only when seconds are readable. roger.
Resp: 3.57
